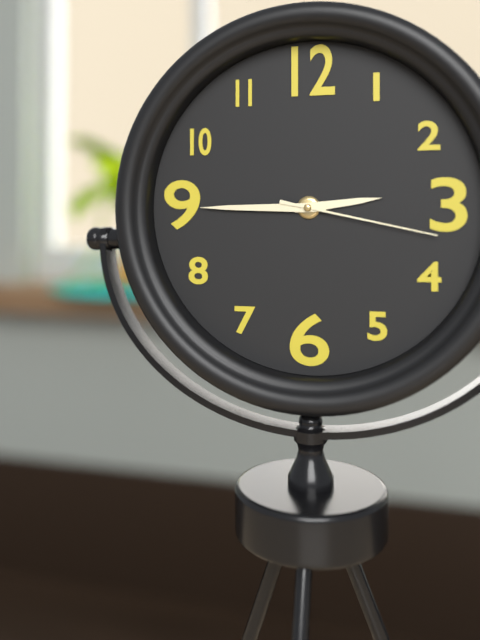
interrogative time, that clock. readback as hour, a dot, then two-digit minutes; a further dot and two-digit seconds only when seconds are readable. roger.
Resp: 2.45.17
